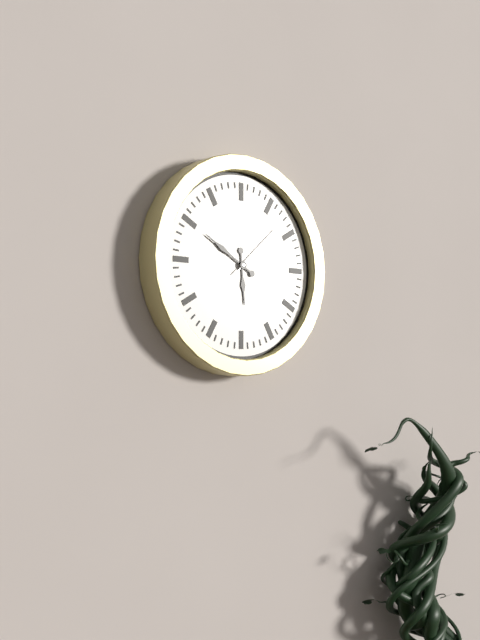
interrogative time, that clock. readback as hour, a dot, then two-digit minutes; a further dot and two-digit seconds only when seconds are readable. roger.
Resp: 5.50.08
